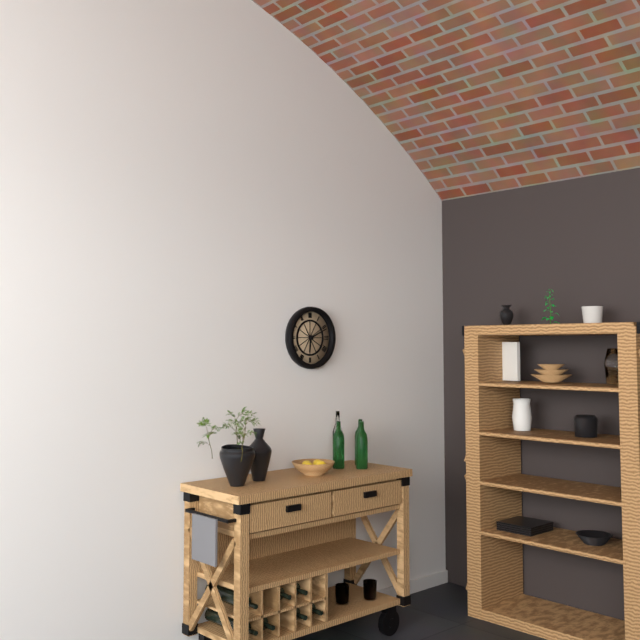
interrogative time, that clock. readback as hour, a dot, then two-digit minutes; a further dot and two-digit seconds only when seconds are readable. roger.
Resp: 6.11
